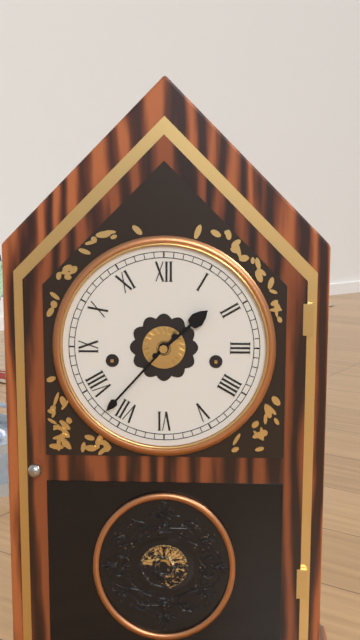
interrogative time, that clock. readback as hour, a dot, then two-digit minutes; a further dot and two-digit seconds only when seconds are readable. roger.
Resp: 1.37
